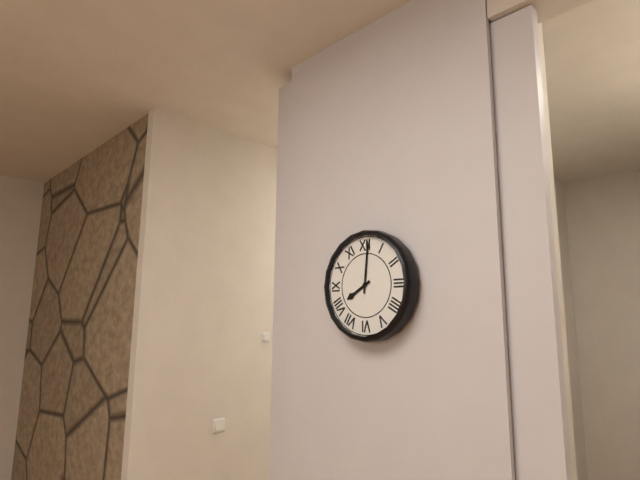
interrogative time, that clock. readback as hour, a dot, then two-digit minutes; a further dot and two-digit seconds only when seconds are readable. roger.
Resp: 8.01
